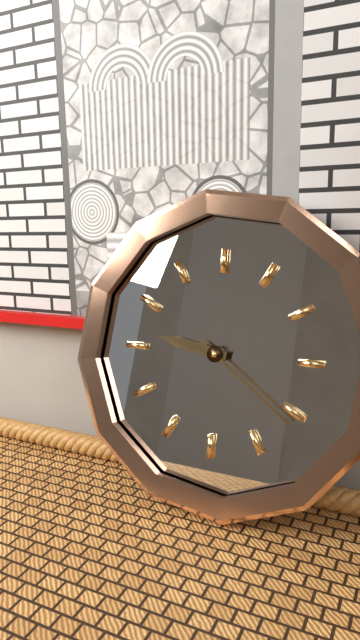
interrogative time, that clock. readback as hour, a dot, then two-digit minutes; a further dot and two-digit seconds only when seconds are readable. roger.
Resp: 9.21
